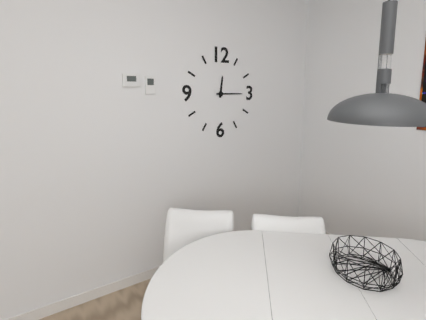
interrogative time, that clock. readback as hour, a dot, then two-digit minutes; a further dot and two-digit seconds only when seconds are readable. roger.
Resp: 12.15
